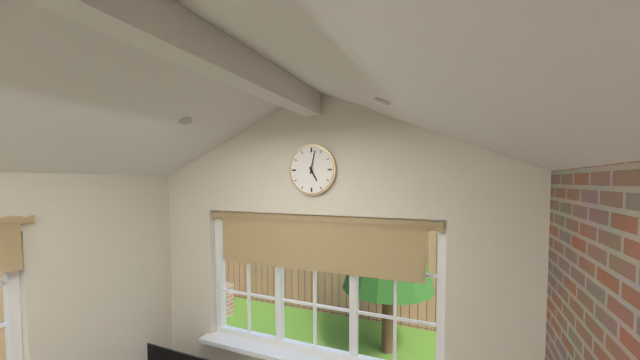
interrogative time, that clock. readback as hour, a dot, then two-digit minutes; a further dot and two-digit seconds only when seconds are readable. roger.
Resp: 5.02
